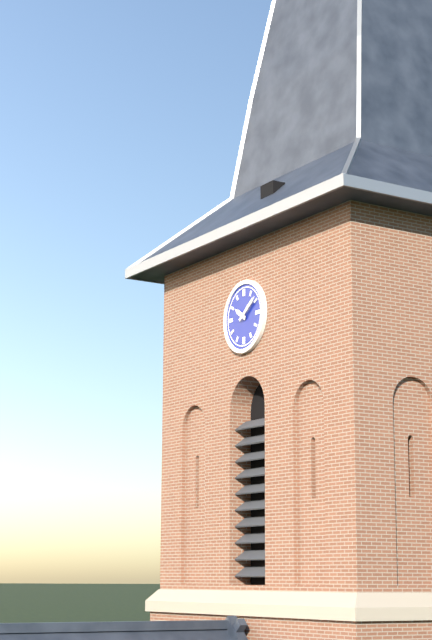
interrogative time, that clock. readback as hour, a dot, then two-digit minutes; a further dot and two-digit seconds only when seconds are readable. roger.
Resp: 10.09
